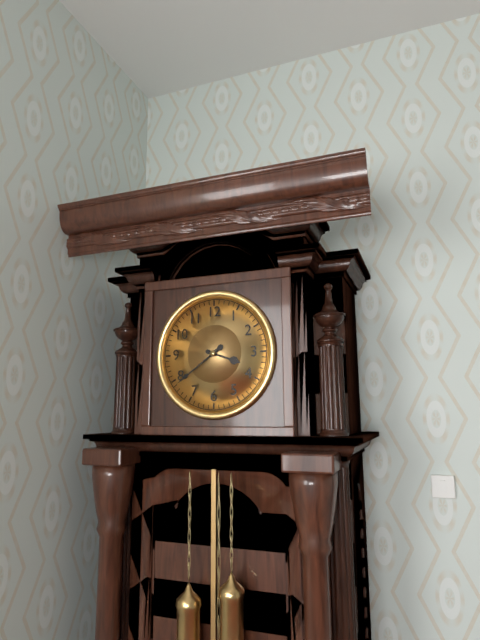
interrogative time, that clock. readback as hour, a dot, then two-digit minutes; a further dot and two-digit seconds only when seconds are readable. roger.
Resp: 3.39
